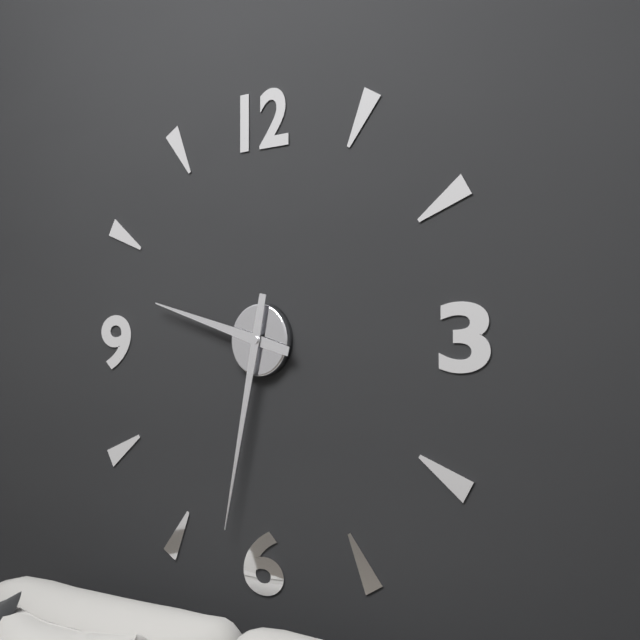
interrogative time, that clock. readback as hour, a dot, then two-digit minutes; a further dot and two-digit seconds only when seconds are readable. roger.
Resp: 9.32
